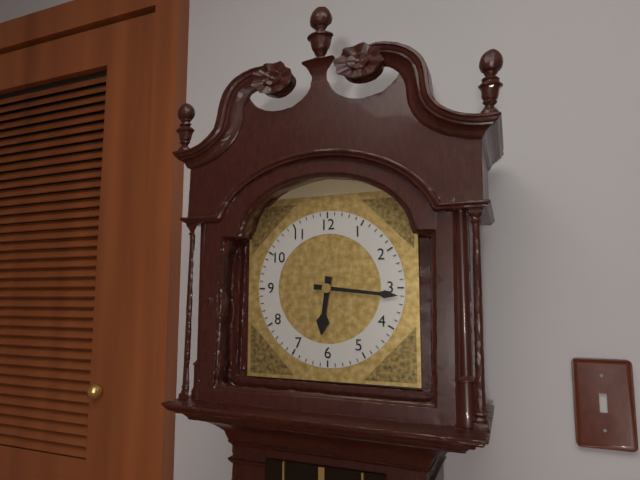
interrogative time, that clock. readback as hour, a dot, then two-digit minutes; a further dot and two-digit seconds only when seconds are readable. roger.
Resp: 6.16
